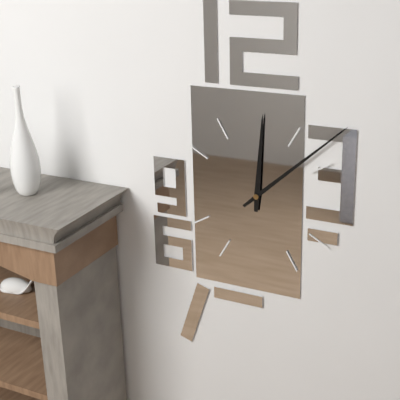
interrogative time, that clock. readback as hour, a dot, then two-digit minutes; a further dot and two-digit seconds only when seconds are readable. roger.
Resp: 12.08
